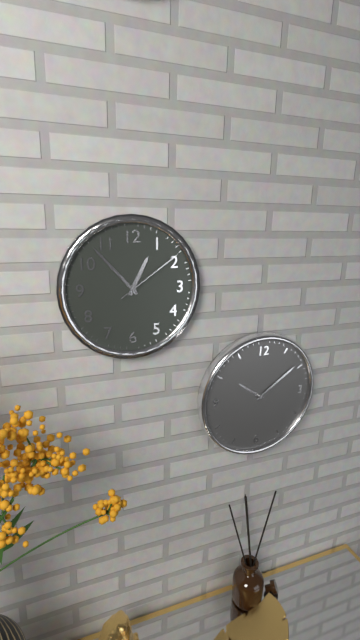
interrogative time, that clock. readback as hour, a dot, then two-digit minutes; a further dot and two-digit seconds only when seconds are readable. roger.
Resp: 12.53.09
